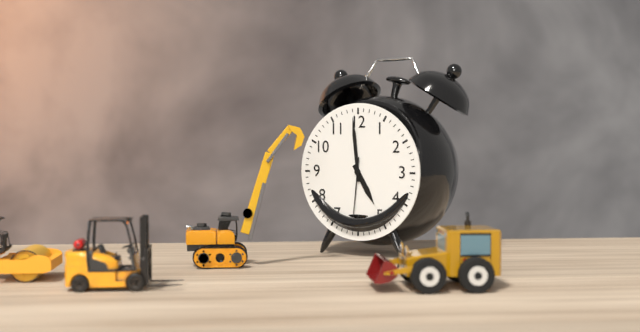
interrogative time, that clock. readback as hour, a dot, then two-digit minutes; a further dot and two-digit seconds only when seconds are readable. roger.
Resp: 4.59.31
